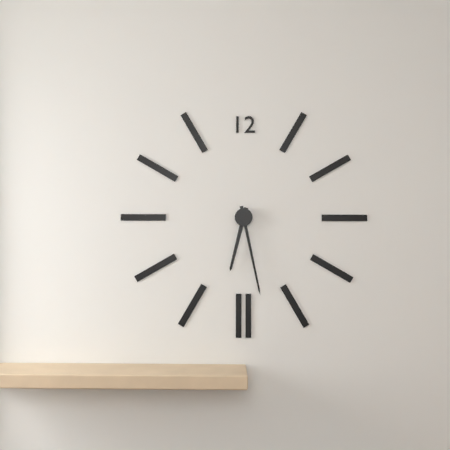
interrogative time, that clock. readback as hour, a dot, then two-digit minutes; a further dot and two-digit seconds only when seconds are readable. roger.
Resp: 6.28
